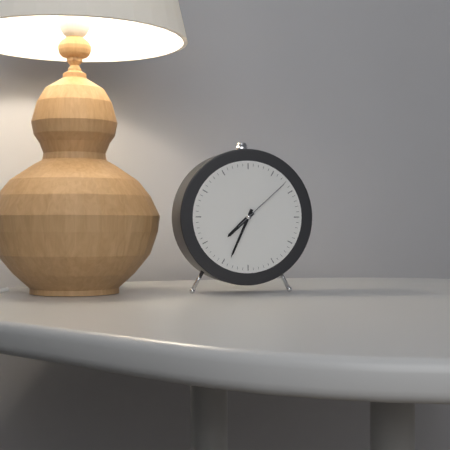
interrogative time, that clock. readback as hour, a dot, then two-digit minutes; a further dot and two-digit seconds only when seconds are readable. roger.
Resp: 7.34.08
